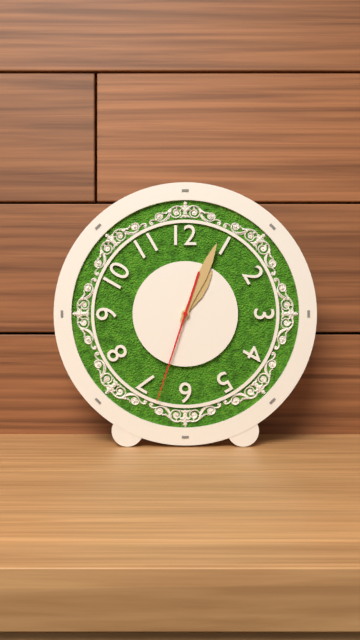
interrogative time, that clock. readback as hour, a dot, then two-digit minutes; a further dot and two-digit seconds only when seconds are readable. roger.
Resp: 1.04.33
